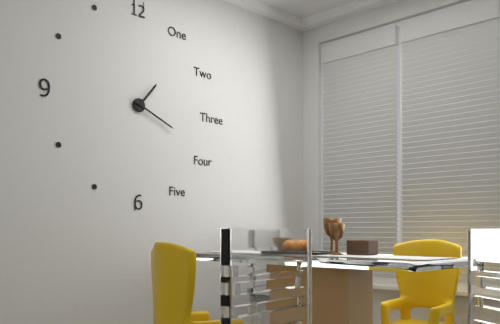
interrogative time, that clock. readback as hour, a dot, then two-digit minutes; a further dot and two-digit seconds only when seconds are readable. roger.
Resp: 1.19
